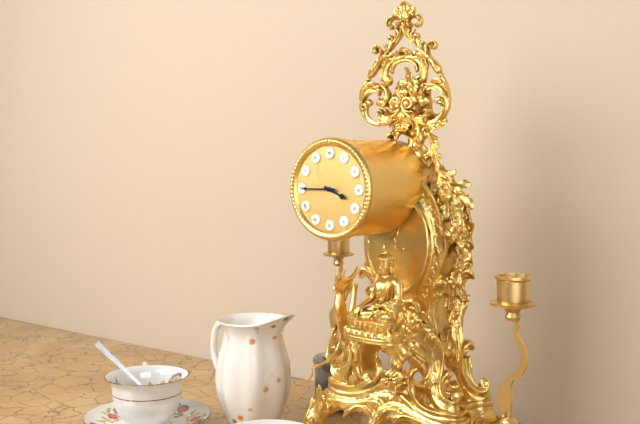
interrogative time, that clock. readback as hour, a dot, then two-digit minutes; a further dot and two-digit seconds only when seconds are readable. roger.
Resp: 3.45
